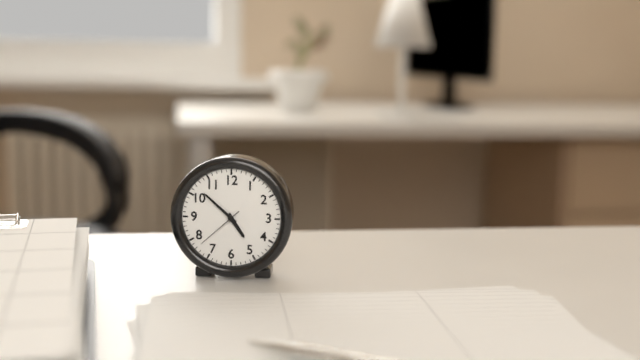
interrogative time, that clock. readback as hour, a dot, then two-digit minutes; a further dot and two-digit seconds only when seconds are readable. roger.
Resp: 4.52.38
